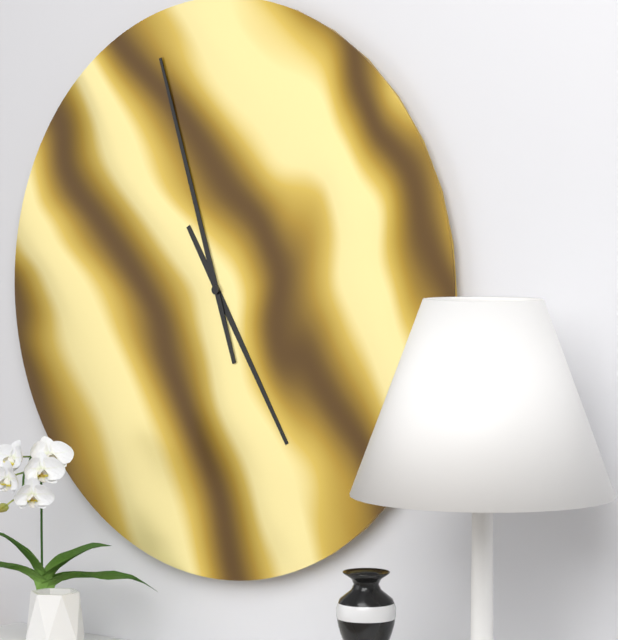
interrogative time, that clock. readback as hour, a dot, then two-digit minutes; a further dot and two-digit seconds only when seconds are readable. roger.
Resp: 4.57
